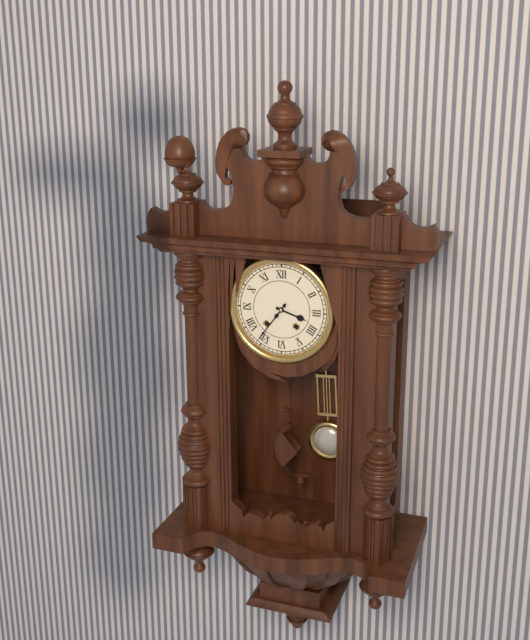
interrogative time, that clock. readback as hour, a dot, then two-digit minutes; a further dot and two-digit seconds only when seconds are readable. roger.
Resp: 3.36
